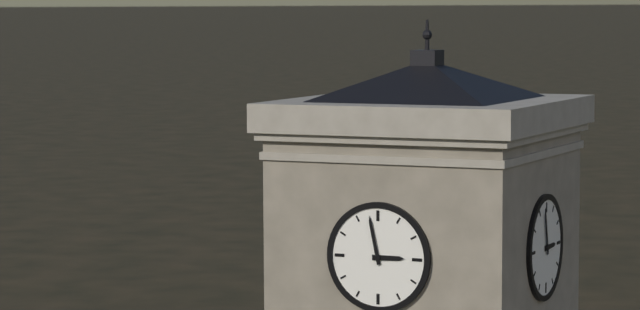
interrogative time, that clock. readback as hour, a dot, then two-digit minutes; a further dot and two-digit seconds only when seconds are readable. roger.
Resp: 2.58
